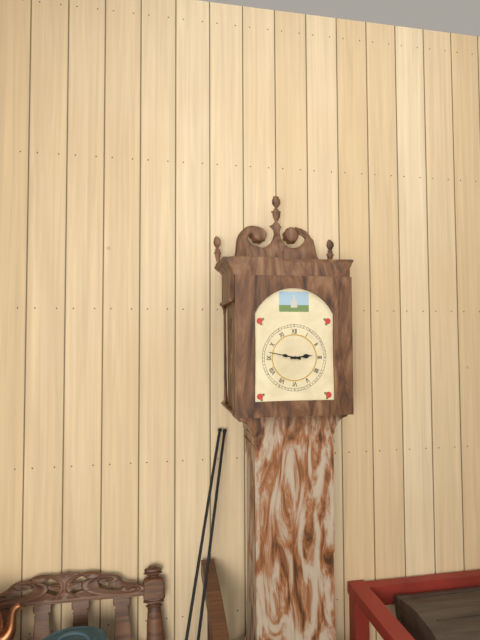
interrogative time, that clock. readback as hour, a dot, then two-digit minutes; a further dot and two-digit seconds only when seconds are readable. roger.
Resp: 2.47
